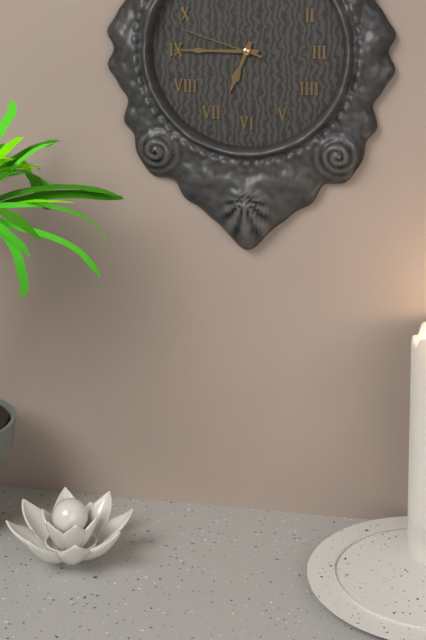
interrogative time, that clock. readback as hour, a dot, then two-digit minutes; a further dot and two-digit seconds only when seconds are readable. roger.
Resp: 6.45.48
